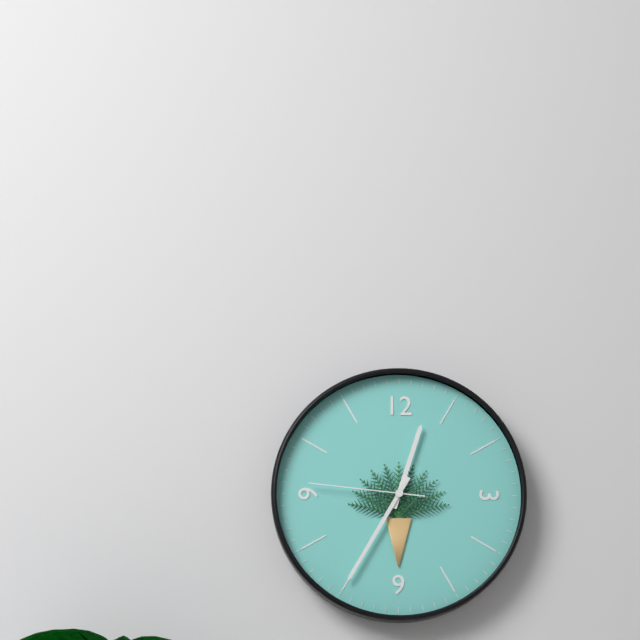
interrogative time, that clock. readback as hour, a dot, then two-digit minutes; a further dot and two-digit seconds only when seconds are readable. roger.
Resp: 12.35.46
